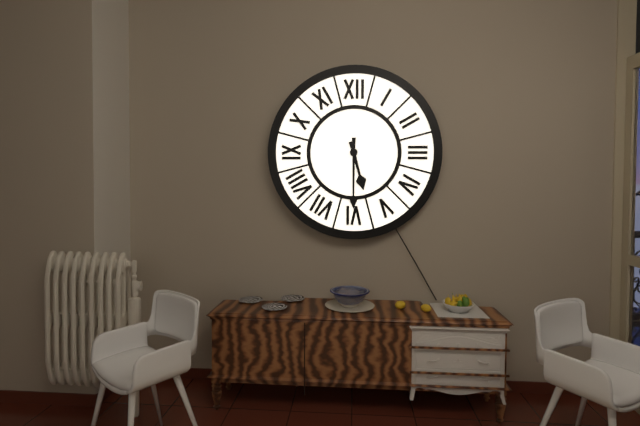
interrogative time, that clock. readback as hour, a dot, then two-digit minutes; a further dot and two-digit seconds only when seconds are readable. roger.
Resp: 5.30
